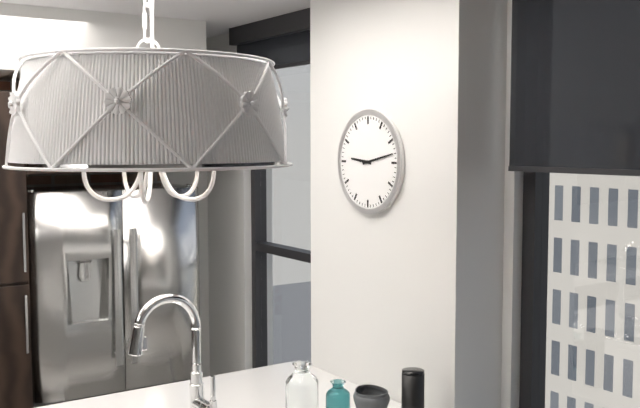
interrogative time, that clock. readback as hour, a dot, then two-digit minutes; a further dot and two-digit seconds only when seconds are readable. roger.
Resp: 9.13
